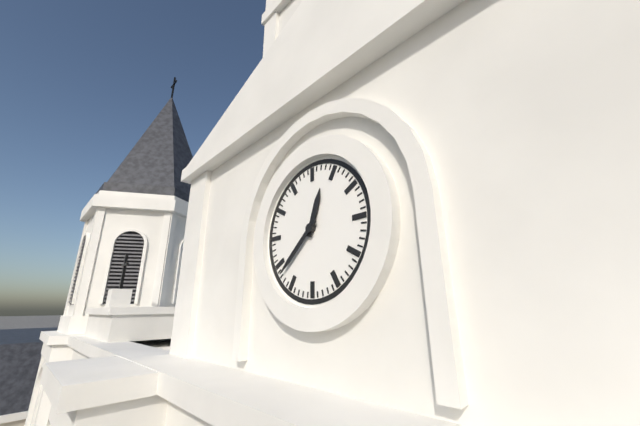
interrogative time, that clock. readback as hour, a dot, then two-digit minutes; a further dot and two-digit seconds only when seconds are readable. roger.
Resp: 12.38
